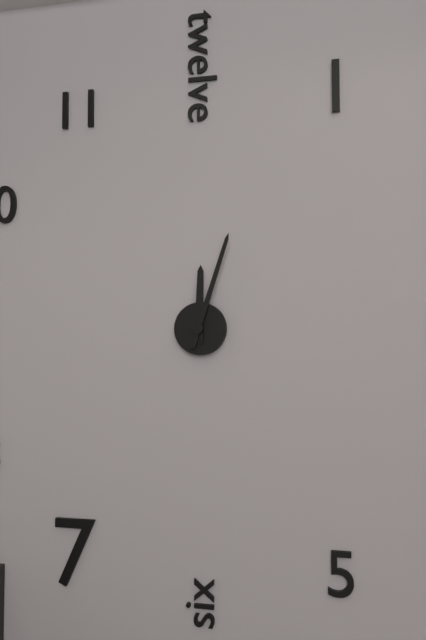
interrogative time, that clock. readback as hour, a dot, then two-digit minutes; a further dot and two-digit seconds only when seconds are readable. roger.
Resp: 12.03
